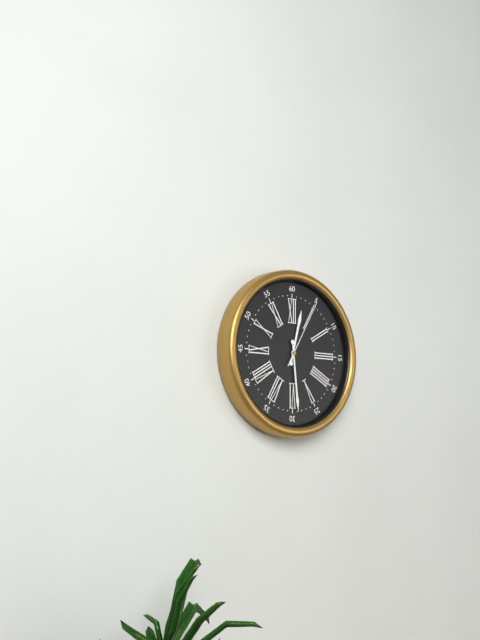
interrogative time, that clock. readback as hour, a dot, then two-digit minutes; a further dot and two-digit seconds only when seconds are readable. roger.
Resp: 12.29.05
